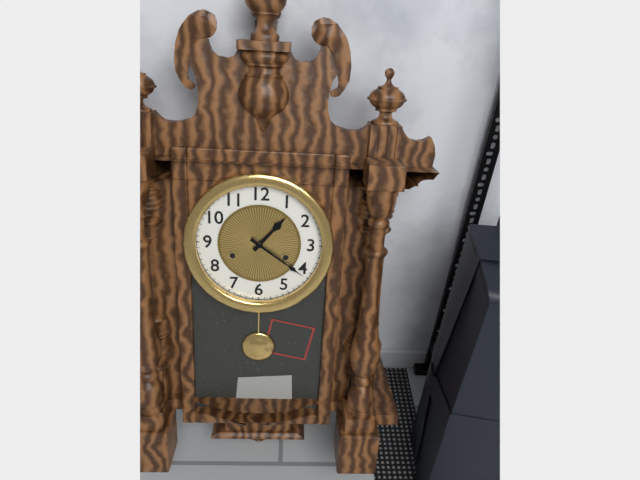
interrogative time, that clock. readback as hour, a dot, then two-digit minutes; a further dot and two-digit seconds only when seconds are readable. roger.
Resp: 1.21
